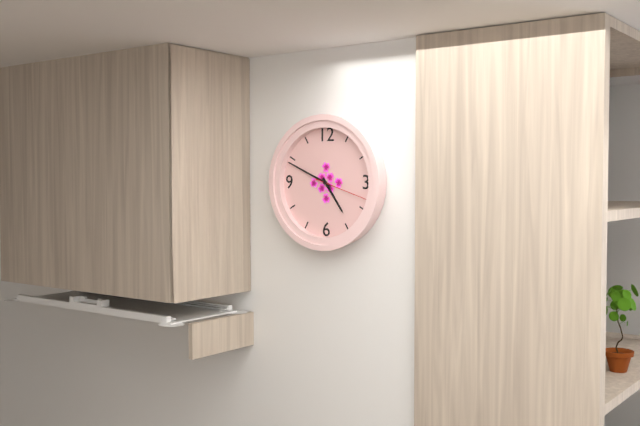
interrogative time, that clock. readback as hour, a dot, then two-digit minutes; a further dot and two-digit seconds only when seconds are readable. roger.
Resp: 4.49.18
